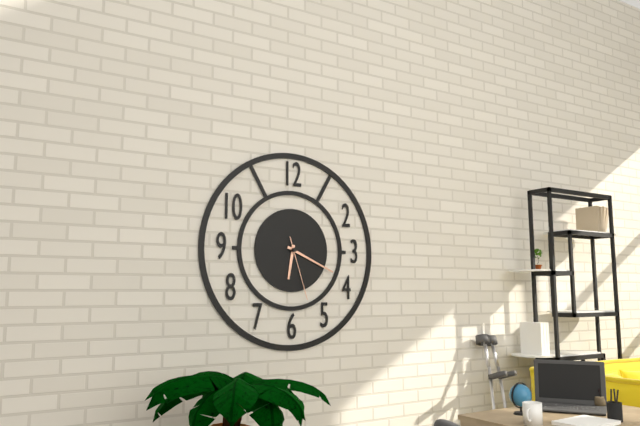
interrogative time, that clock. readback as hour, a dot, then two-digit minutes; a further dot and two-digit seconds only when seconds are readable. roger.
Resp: 6.19.27
